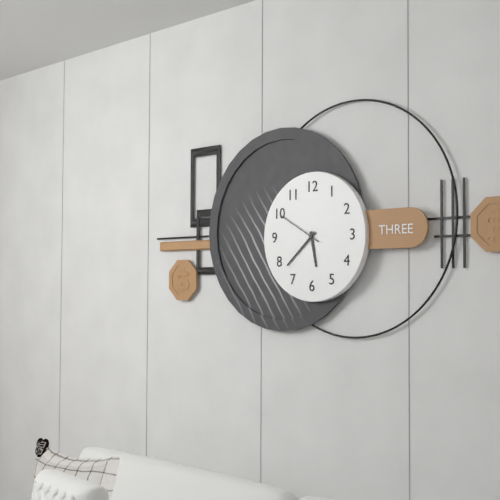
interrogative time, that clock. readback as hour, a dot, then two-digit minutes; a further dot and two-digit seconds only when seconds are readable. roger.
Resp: 5.38
